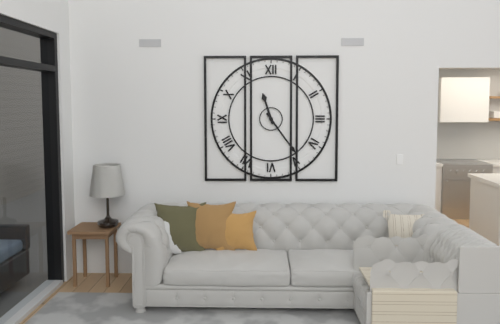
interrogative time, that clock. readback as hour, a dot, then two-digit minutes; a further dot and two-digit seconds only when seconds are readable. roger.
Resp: 11.24
